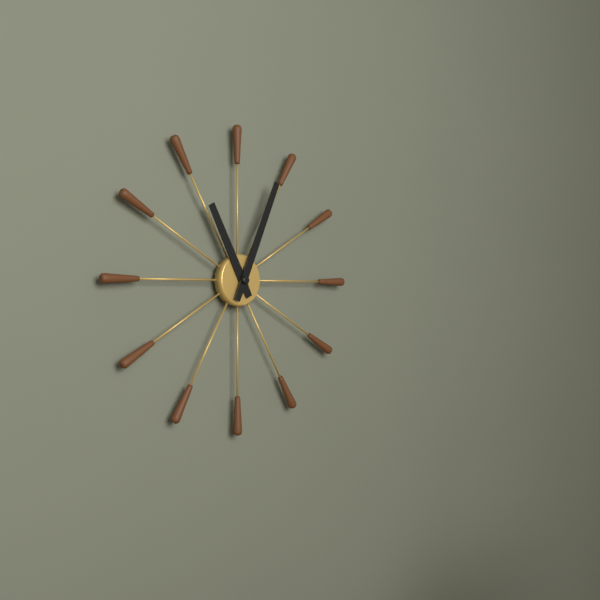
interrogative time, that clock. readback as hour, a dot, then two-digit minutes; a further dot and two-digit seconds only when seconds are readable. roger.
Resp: 11.04
